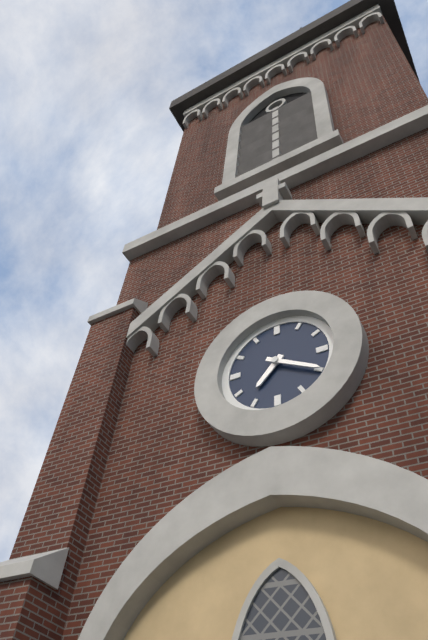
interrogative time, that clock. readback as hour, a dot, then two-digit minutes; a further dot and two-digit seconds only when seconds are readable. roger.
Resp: 7.20
